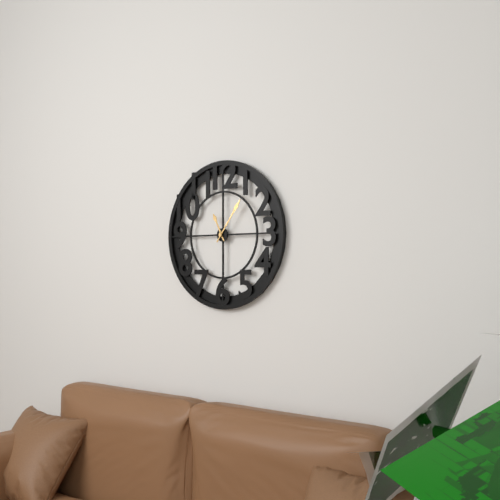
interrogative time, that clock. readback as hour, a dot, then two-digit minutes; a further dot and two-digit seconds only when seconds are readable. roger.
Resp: 11.06
